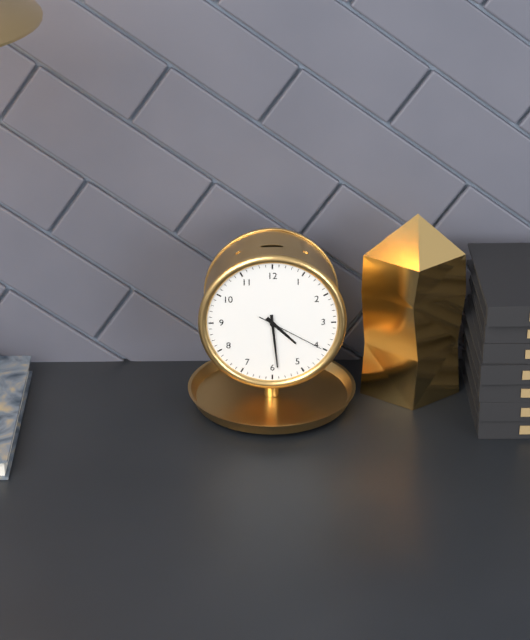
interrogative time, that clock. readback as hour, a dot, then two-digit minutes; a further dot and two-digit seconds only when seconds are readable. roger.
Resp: 4.29.20
